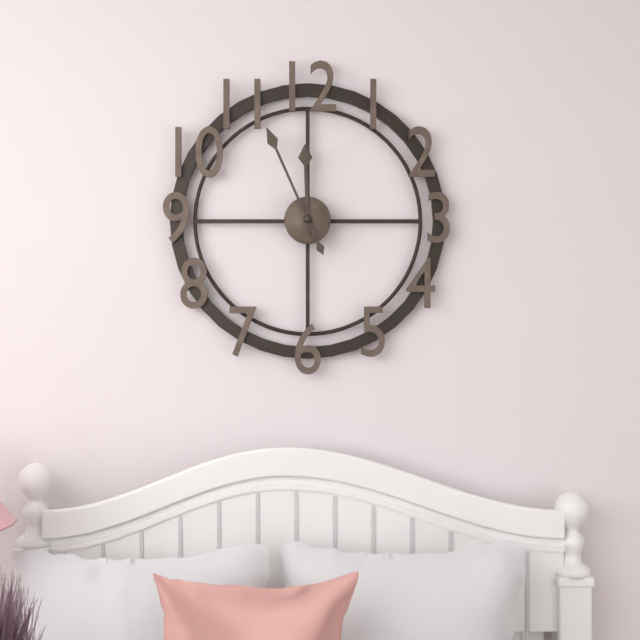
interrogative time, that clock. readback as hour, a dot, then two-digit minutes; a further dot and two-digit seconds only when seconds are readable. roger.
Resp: 11.56
